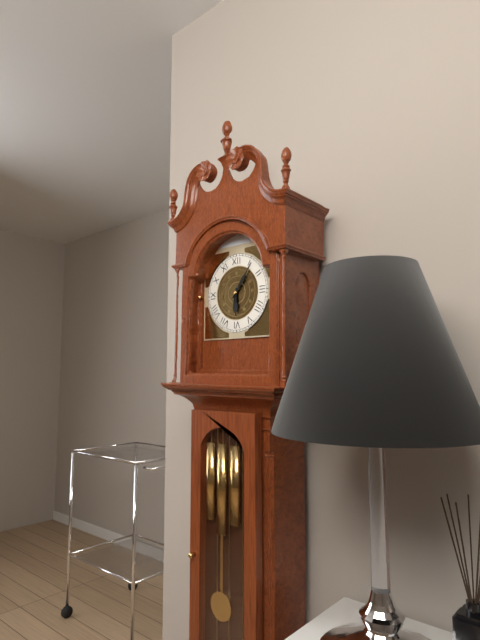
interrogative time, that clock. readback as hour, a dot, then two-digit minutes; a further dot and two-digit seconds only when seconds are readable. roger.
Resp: 6.06
